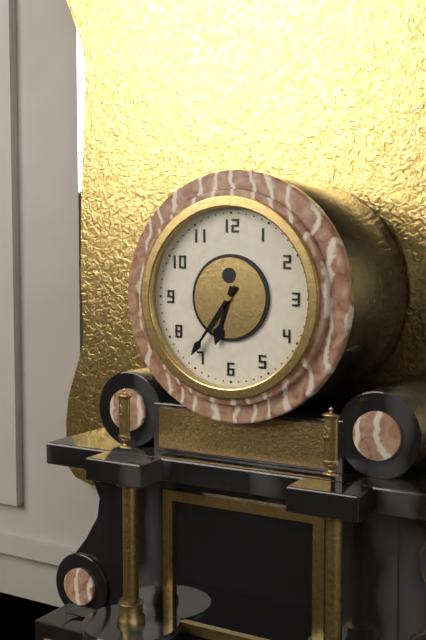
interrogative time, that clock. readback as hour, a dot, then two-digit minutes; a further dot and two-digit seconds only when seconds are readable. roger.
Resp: 6.36
